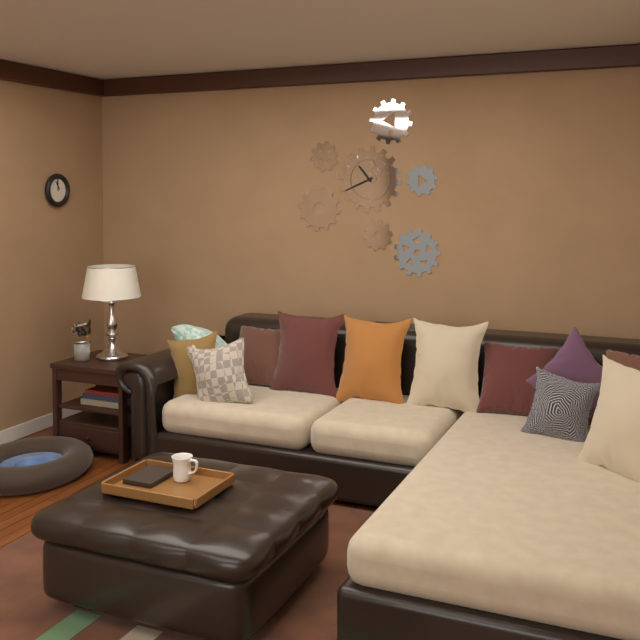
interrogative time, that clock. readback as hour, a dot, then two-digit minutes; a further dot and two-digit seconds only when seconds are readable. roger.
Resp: 10.41
